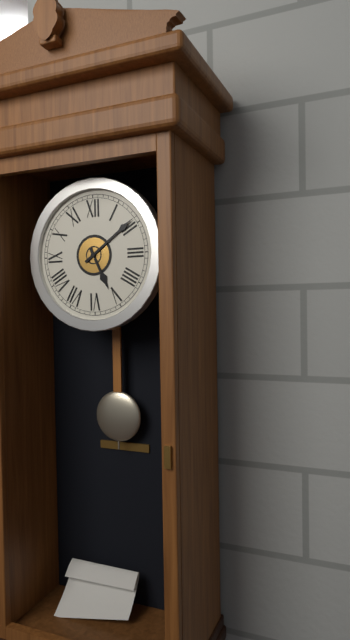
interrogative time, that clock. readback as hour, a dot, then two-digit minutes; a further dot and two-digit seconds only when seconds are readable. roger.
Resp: 5.09
